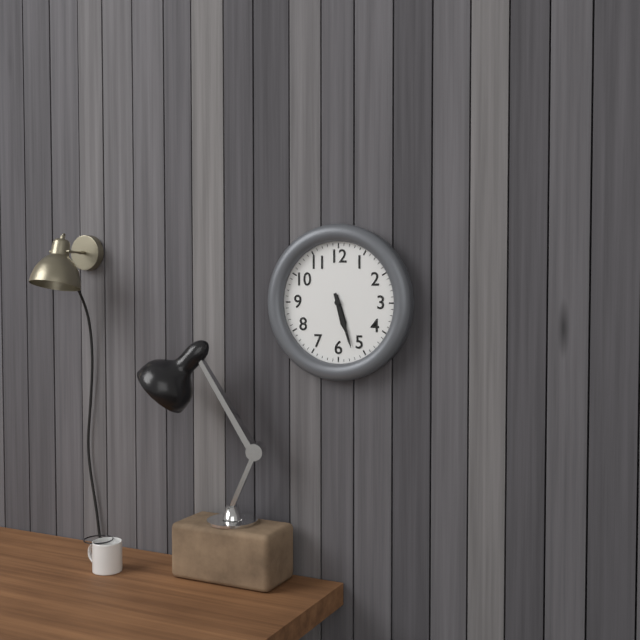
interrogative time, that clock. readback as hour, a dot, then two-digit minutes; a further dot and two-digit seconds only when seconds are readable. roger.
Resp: 5.27
